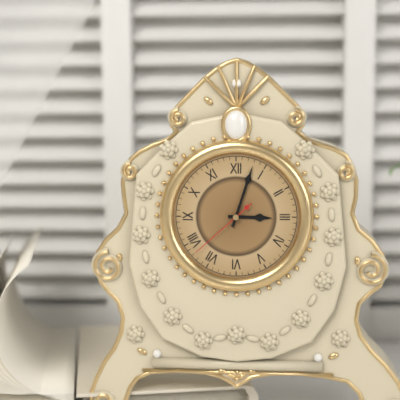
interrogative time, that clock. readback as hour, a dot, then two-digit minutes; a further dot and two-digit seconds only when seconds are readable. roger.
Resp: 3.03.38
